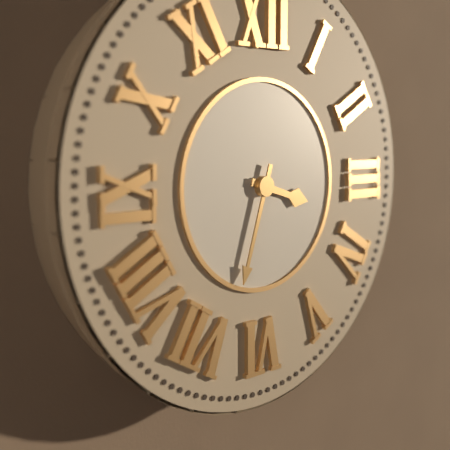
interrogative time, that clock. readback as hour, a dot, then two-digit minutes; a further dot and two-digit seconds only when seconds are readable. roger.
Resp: 3.33
